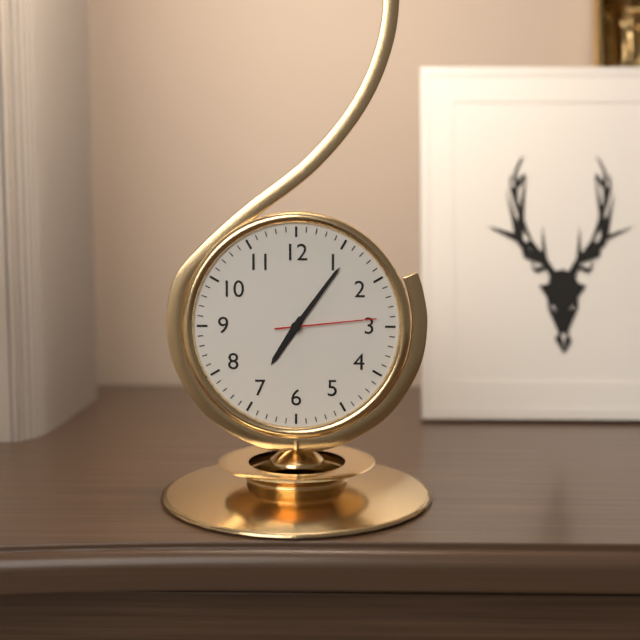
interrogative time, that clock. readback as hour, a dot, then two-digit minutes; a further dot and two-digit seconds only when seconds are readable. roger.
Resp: 7.06.14
